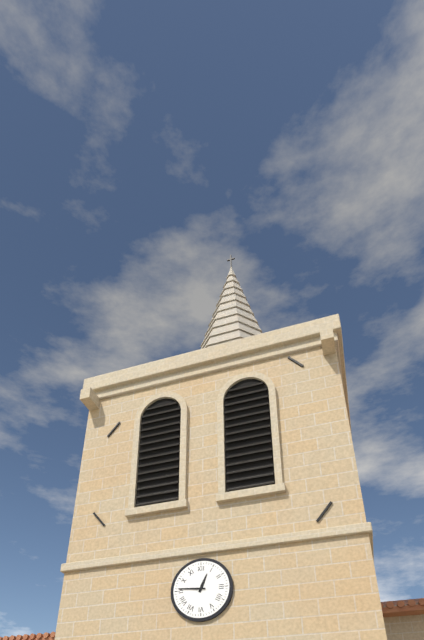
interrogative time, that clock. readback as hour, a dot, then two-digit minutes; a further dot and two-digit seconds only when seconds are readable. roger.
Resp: 12.46
